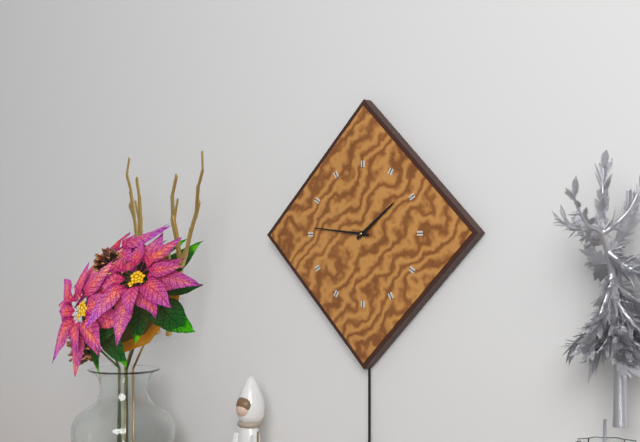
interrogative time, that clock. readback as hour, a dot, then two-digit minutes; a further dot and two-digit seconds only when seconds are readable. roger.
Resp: 1.46
